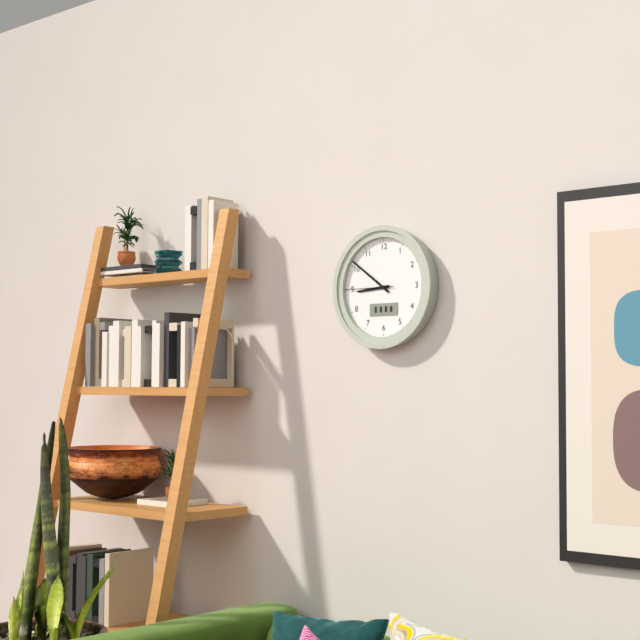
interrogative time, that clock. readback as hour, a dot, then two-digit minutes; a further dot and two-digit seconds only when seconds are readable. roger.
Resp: 8.51.45
